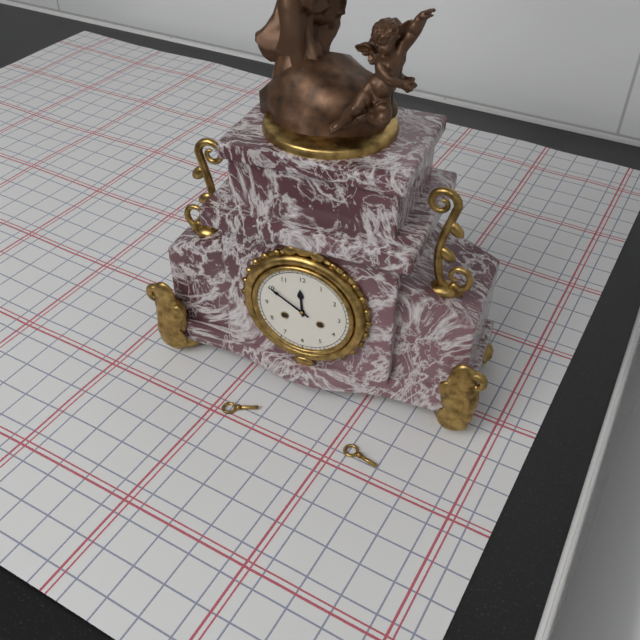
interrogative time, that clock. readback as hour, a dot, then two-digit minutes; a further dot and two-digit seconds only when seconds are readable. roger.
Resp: 11.50
